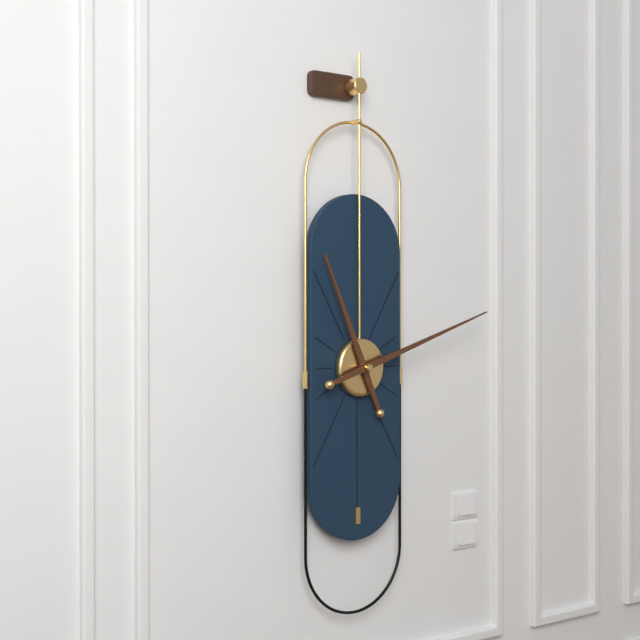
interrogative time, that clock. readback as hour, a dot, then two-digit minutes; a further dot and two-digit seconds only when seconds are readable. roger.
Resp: 11.12
